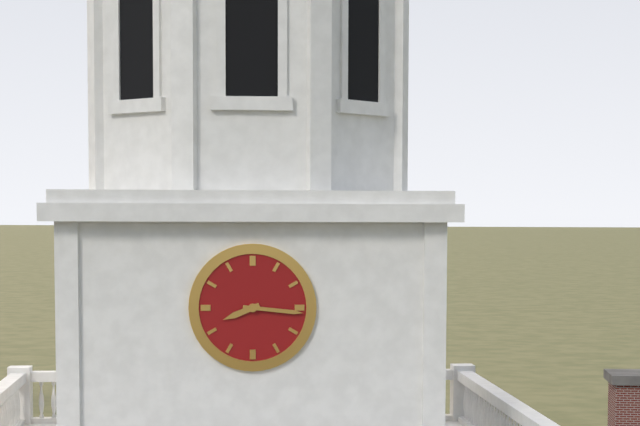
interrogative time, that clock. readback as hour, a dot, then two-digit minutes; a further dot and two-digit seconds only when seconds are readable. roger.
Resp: 8.16
